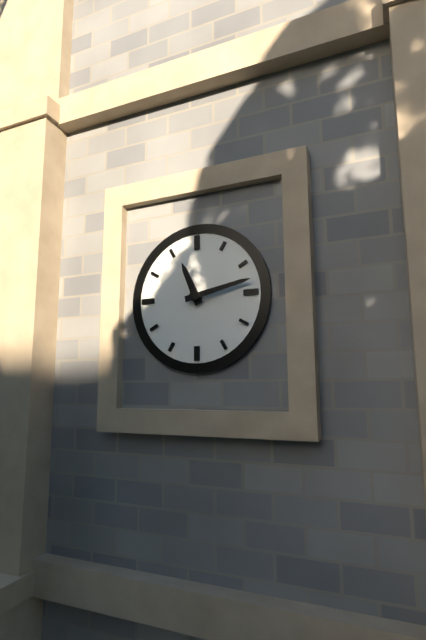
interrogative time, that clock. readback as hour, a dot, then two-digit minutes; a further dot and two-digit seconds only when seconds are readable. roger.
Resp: 11.13
